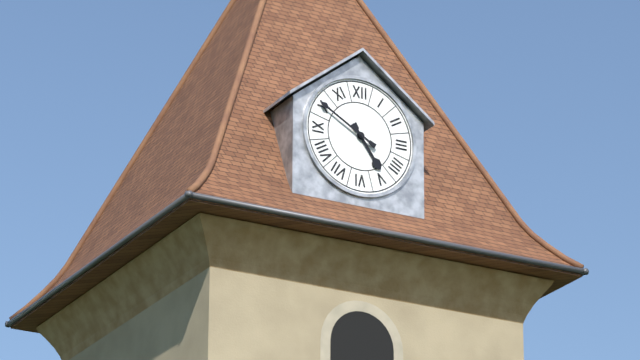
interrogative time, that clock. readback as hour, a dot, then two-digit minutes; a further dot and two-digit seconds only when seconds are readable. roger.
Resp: 4.50
